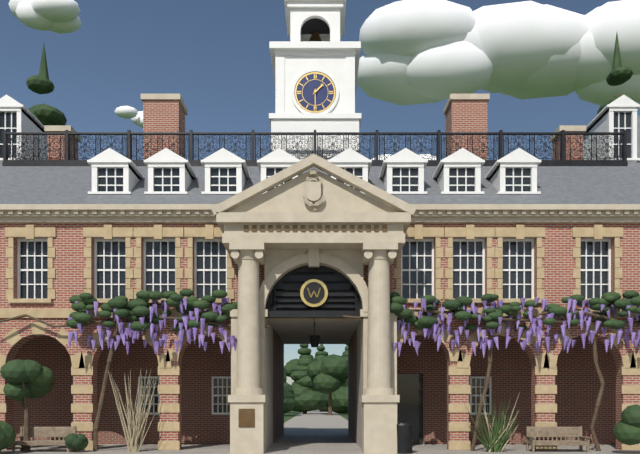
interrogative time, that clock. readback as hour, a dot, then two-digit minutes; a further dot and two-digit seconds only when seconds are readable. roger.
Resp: 1.30
